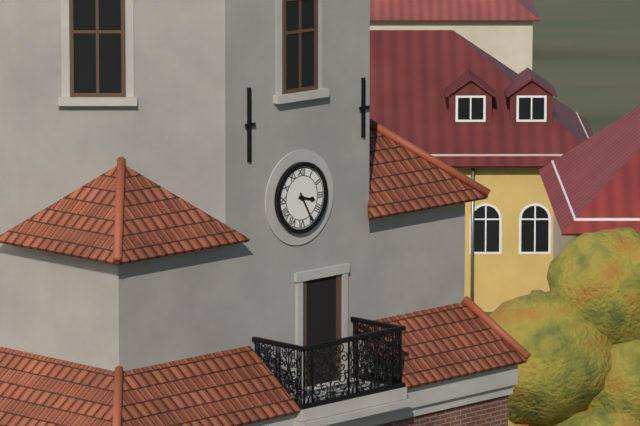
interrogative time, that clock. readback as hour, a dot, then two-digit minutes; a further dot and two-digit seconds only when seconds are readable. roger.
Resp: 3.25
